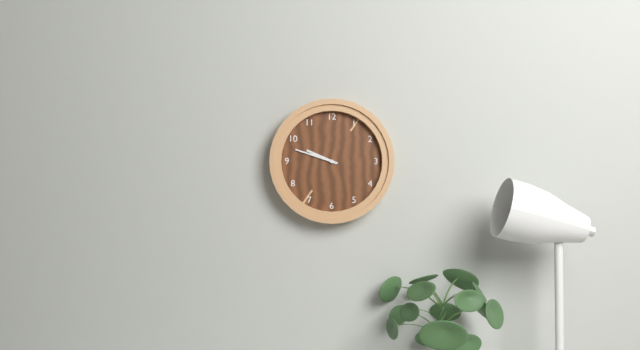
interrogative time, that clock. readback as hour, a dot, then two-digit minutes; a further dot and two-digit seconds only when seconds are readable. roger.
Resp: 9.48
